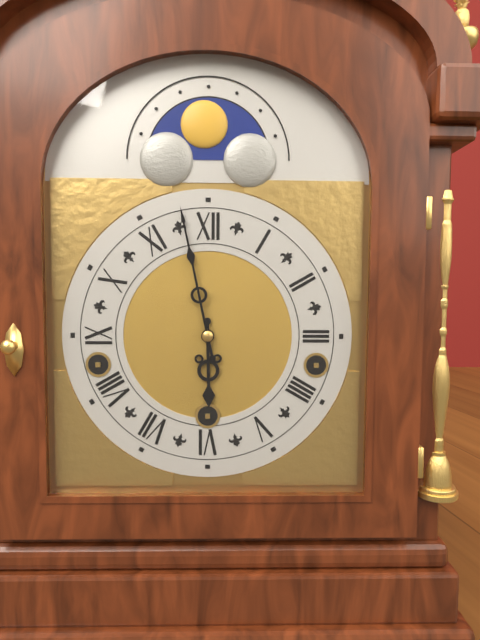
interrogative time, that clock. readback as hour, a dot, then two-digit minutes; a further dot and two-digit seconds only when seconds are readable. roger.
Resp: 5.58
